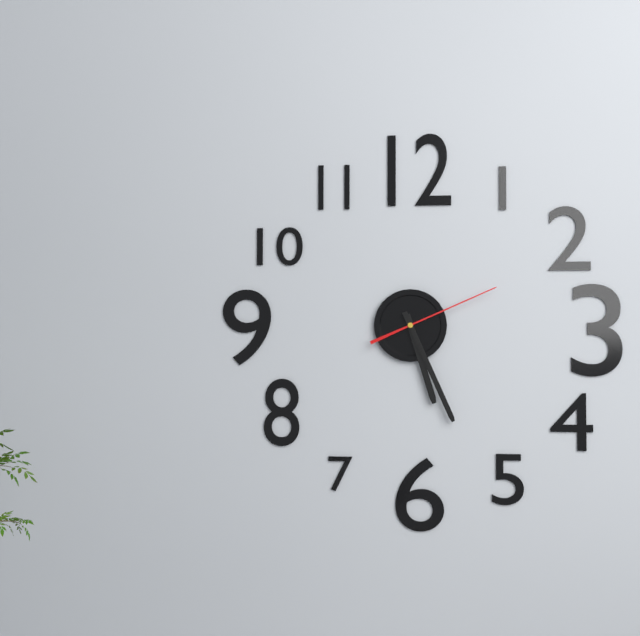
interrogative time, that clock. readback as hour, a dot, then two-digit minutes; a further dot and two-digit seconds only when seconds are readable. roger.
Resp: 5.26.11
